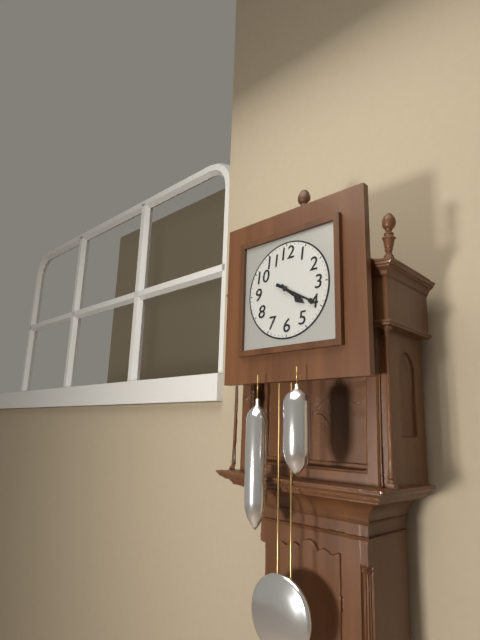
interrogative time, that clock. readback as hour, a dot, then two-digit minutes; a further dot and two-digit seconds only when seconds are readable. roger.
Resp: 4.20
